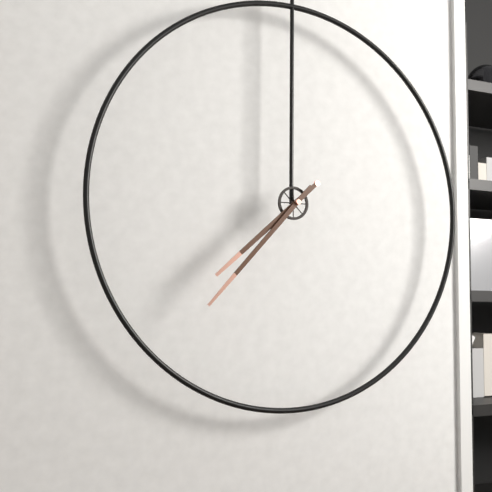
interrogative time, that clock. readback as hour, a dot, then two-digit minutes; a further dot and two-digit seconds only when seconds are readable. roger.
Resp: 7.37
